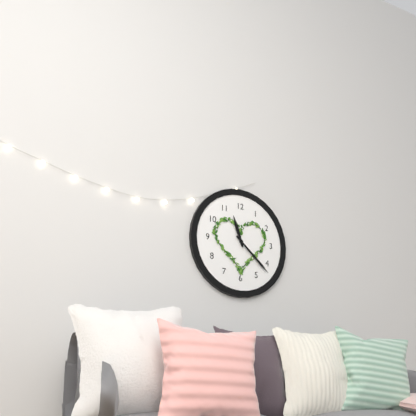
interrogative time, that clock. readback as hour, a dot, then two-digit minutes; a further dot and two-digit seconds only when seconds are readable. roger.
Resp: 11.22
